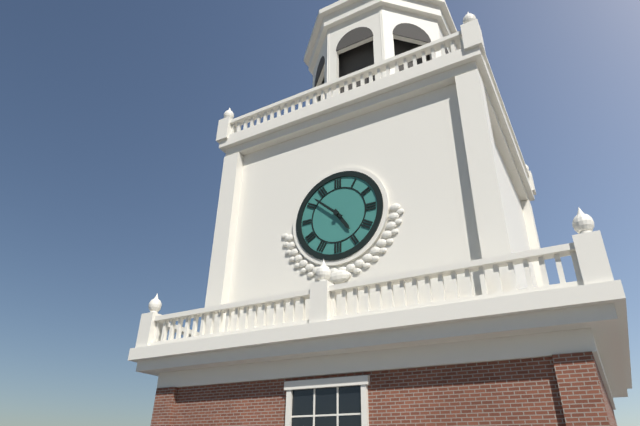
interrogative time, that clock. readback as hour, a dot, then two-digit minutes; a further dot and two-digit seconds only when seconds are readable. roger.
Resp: 4.52
